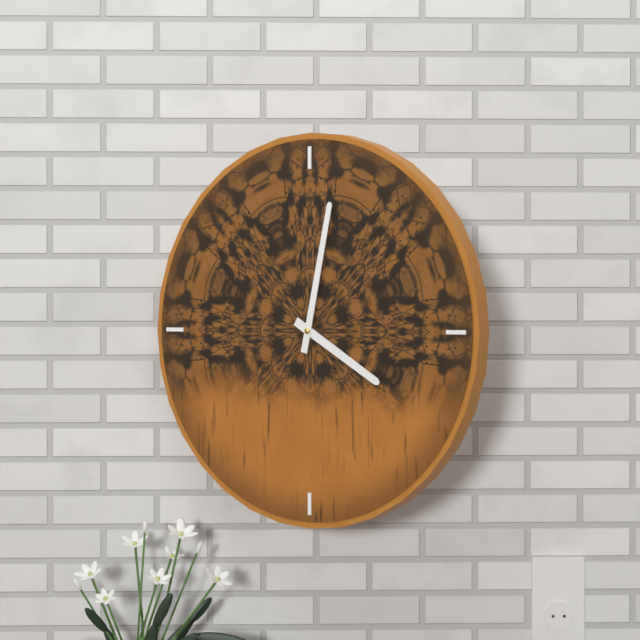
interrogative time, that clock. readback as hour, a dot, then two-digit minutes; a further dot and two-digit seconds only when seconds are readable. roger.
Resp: 4.02
